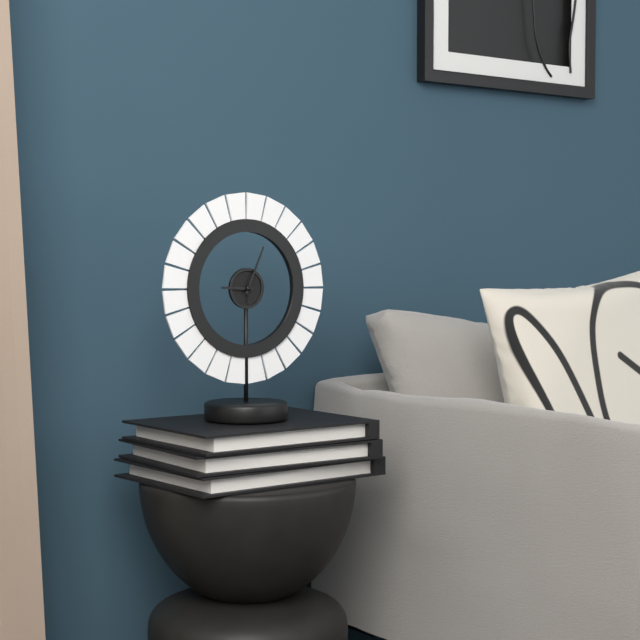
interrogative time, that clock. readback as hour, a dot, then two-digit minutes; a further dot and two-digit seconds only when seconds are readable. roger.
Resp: 9.04
